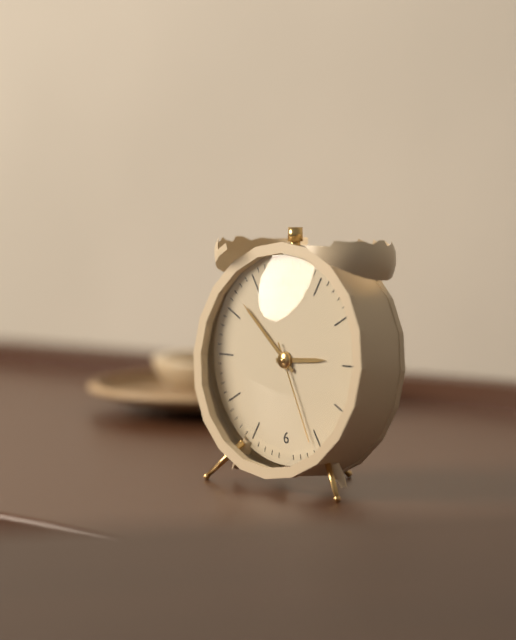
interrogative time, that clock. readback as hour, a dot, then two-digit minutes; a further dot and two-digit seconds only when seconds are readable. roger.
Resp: 2.52.26
